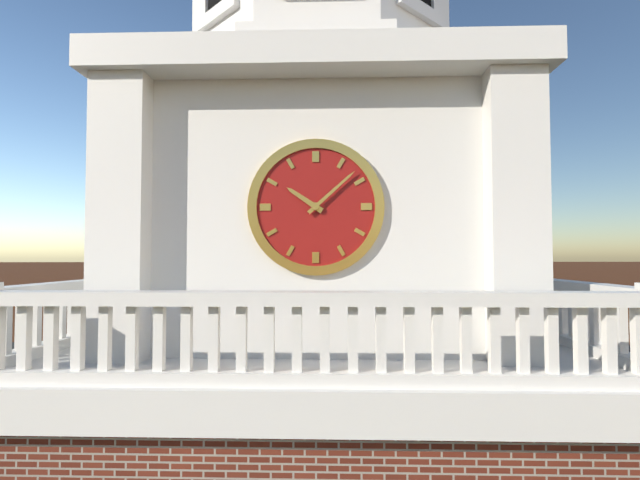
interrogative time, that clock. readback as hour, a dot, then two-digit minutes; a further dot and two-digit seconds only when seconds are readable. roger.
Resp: 10.08
